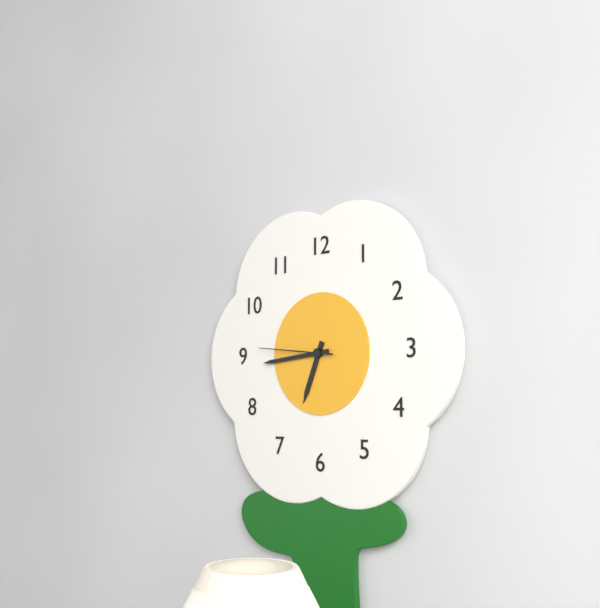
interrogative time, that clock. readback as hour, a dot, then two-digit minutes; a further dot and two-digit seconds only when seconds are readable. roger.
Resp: 6.44.46
